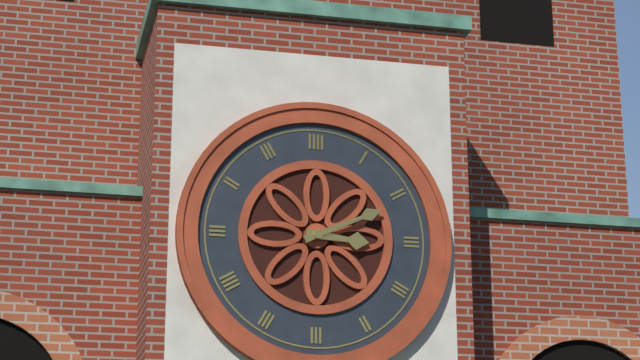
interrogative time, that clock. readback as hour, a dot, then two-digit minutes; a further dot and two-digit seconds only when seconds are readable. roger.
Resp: 3.11
